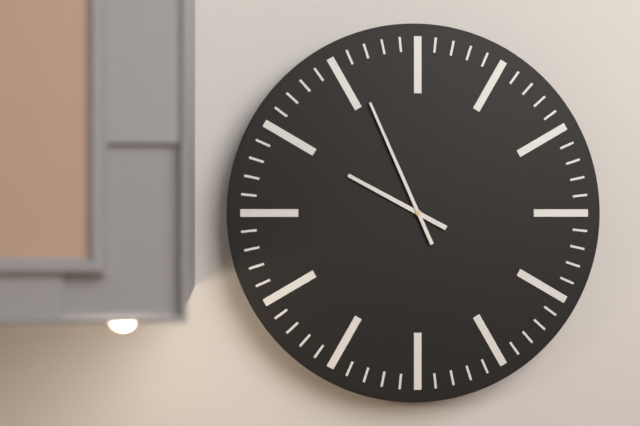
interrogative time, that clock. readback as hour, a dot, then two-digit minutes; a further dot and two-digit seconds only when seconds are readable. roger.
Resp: 9.56
